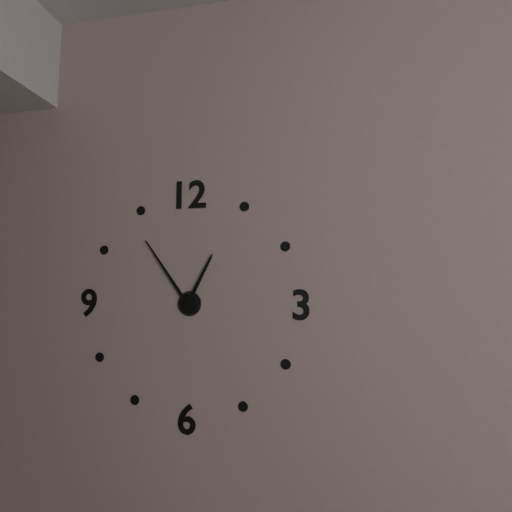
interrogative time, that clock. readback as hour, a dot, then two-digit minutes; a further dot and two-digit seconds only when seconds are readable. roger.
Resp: 12.54
